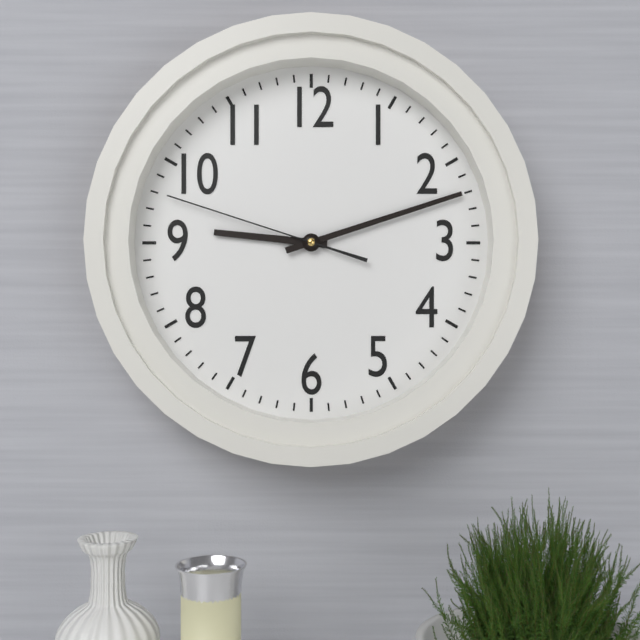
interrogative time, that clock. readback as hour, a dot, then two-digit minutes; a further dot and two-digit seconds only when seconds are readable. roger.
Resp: 9.12.48
